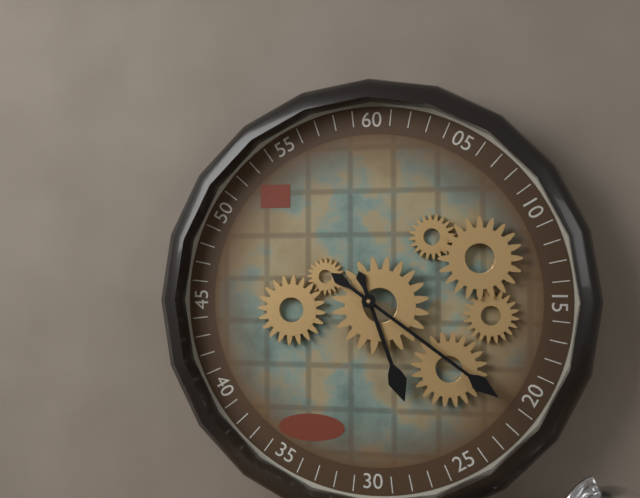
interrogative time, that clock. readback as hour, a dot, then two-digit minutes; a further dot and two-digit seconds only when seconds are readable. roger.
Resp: 5.21
